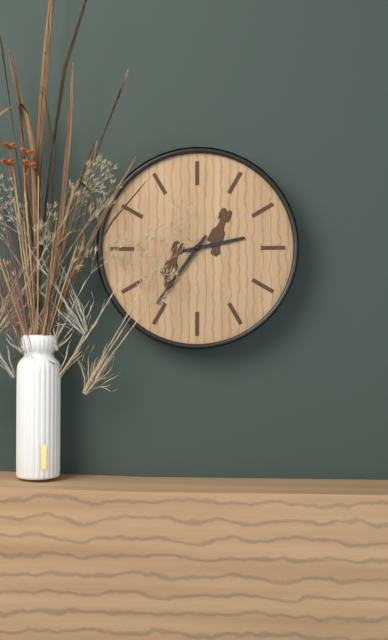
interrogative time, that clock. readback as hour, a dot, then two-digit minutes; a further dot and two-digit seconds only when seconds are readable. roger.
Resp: 2.36
